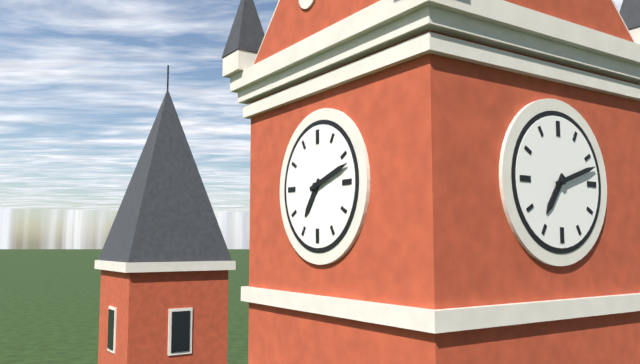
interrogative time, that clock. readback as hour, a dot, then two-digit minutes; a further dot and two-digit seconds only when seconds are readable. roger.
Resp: 7.12
